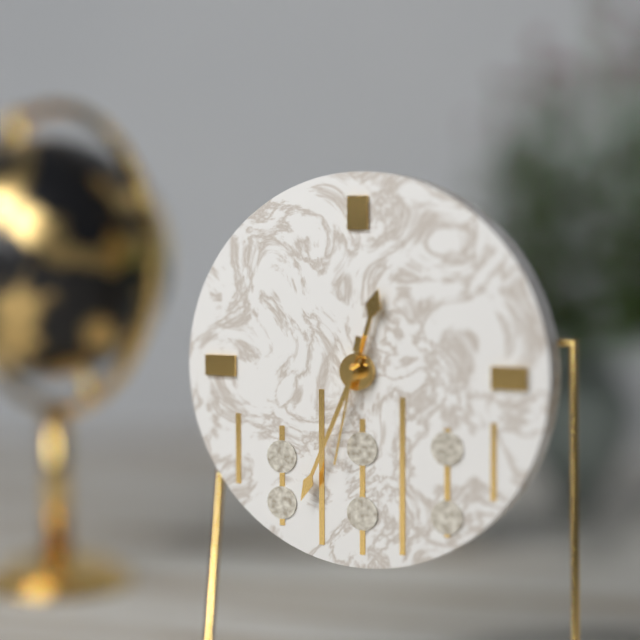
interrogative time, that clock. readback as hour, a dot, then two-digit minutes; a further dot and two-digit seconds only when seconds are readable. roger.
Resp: 12.34.32
